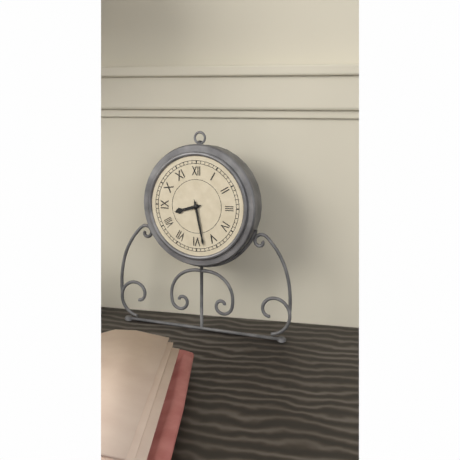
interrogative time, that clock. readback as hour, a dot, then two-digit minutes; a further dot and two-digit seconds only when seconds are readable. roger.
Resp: 8.28
